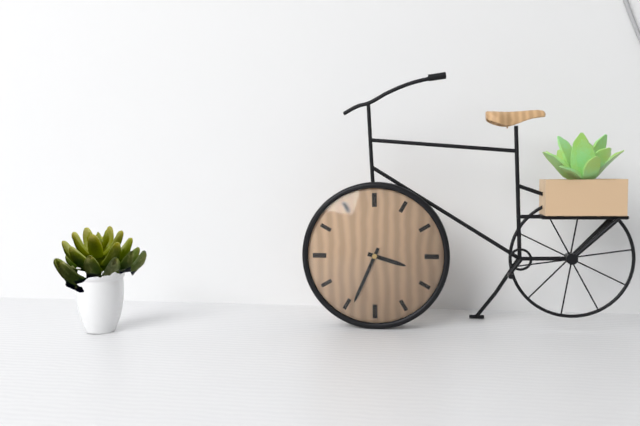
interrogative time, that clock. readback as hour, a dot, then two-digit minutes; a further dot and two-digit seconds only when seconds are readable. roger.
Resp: 3.34
